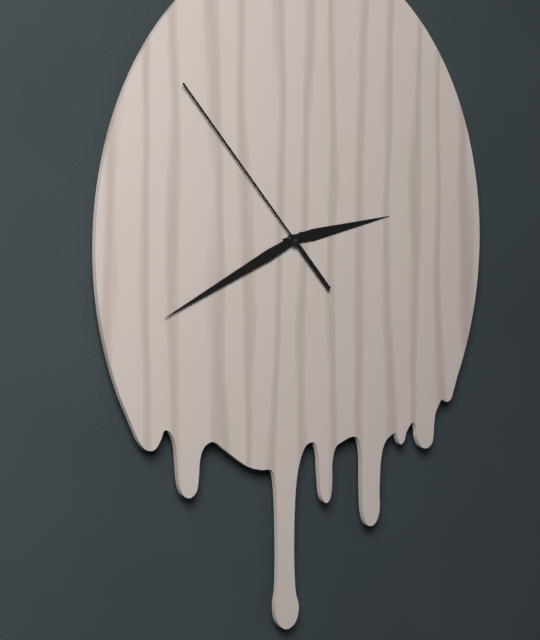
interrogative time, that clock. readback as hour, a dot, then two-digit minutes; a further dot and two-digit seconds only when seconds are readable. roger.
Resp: 2.41.53
